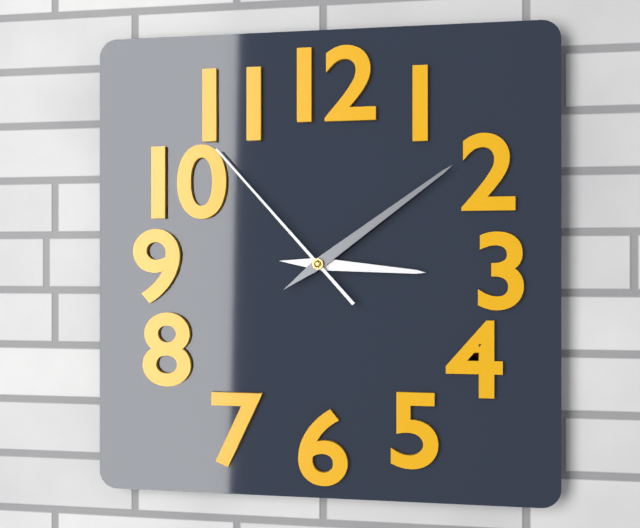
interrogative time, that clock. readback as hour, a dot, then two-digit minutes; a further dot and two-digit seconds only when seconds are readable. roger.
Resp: 3.09.53
